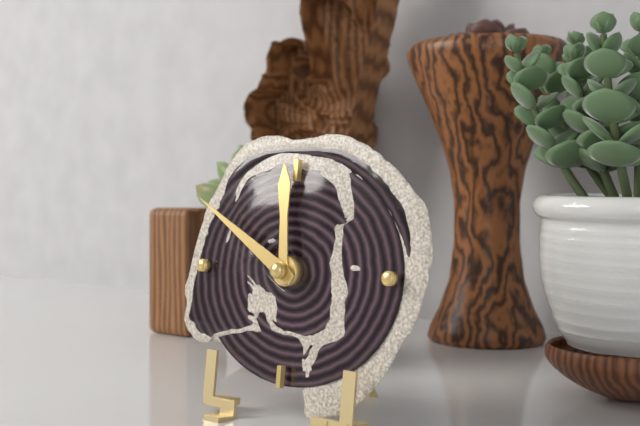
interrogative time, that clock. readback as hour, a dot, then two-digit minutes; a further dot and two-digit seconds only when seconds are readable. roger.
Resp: 11.50
